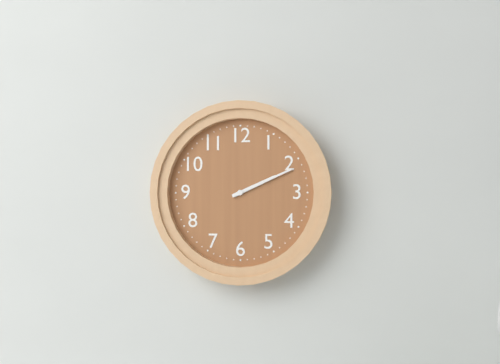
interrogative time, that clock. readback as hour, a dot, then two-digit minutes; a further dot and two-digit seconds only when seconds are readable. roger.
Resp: 2.11
